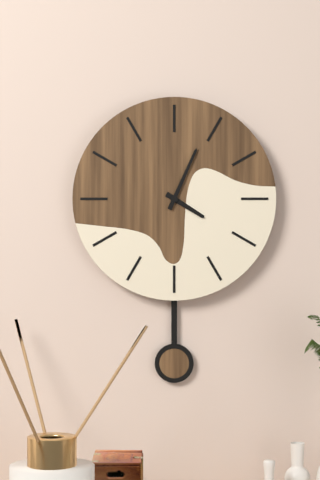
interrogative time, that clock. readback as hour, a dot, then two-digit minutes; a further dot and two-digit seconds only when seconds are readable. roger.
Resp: 4.04
